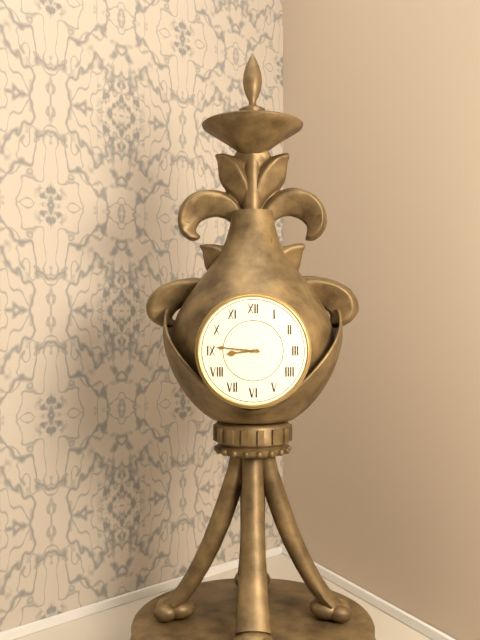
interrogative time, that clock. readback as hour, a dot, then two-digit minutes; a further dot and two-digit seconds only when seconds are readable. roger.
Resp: 8.46
